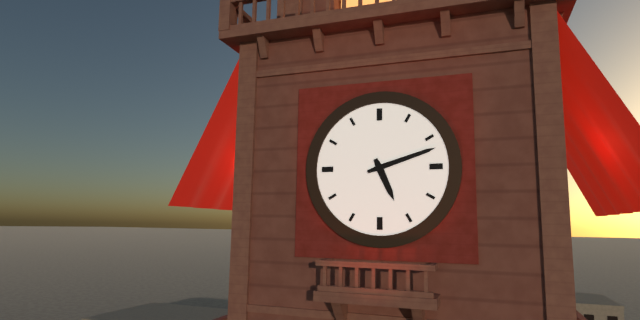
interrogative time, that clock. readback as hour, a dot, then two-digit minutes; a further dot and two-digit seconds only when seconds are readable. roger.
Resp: 5.12
